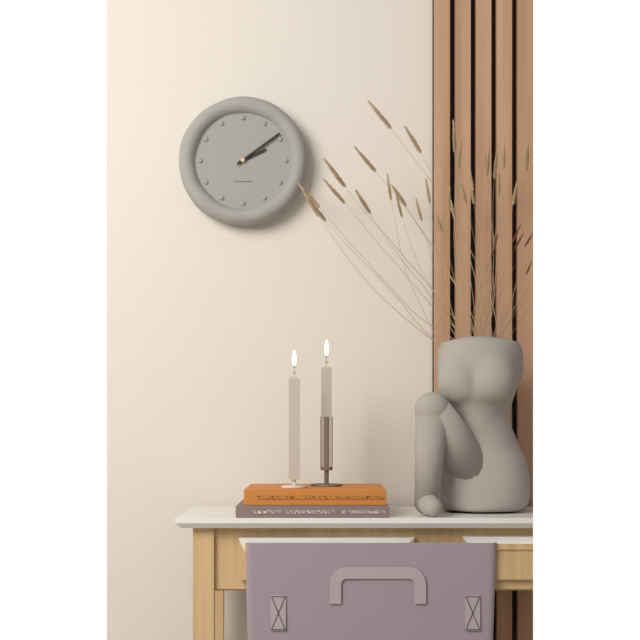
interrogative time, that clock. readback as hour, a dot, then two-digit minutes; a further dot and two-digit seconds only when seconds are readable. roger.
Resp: 2.09
